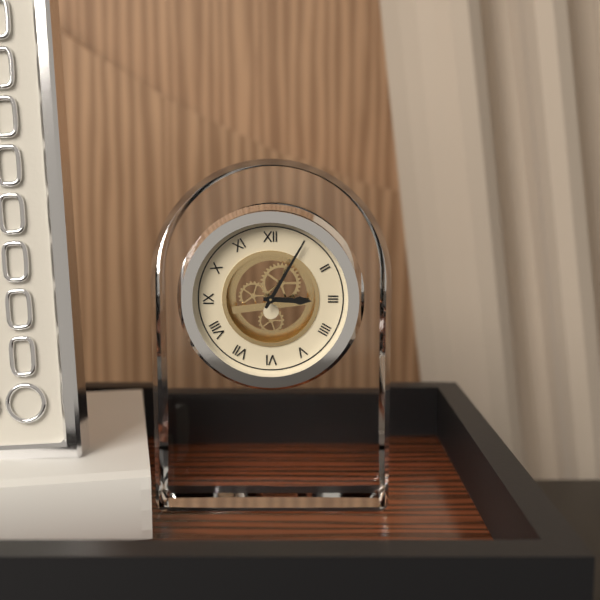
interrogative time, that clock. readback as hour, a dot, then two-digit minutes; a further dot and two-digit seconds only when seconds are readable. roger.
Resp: 3.05
